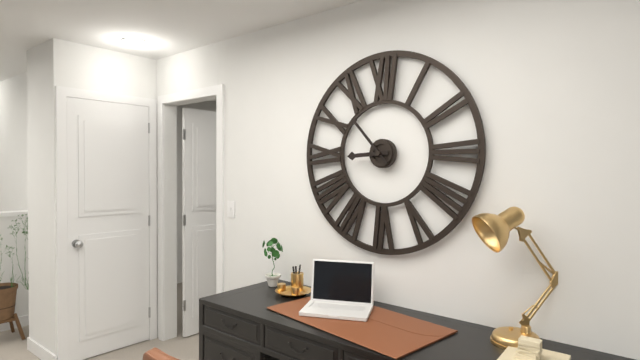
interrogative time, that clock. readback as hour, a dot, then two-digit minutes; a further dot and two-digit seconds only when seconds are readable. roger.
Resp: 8.53
